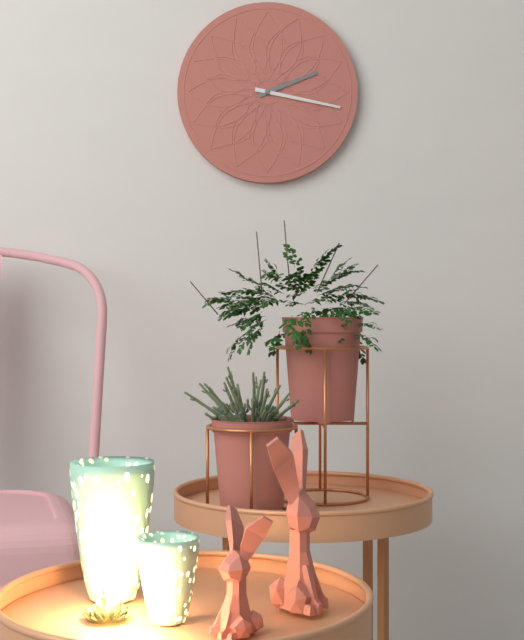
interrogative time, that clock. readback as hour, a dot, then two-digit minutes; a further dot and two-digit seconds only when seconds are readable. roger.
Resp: 2.17
